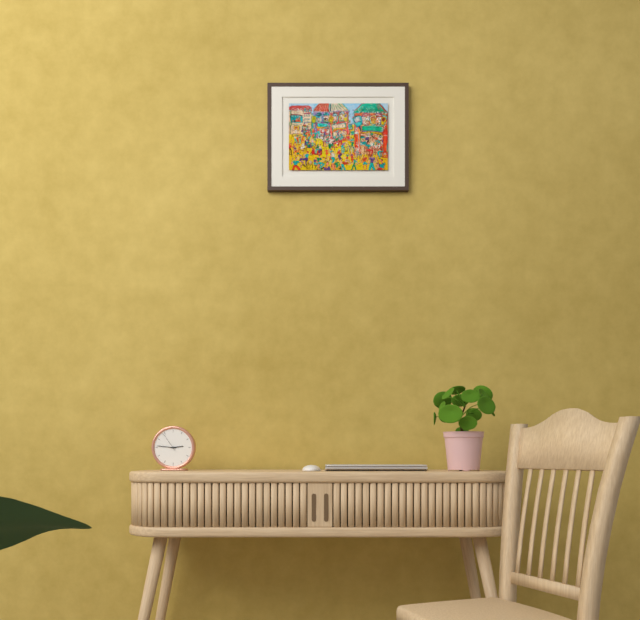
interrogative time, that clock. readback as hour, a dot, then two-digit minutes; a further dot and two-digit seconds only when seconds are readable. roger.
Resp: 2.46
